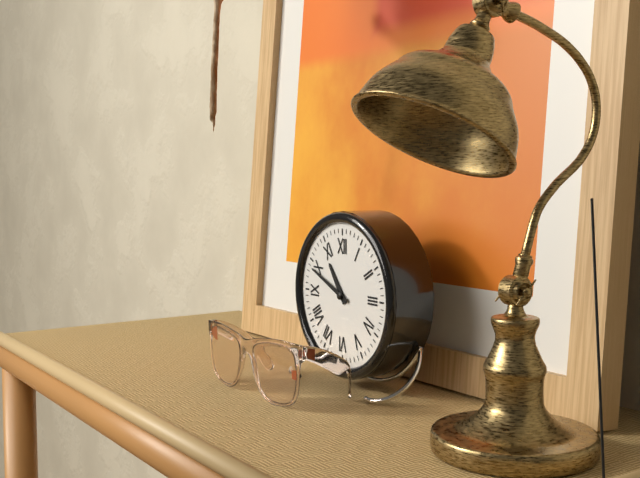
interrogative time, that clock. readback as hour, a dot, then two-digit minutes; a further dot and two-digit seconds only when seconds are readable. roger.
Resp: 10.49
